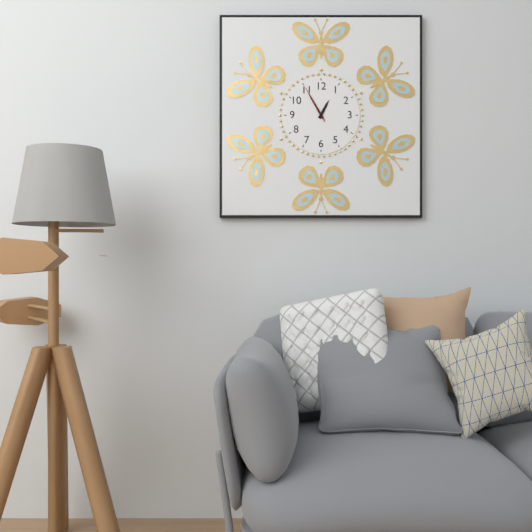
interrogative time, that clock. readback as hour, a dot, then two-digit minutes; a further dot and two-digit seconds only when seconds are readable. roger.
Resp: 12.55
